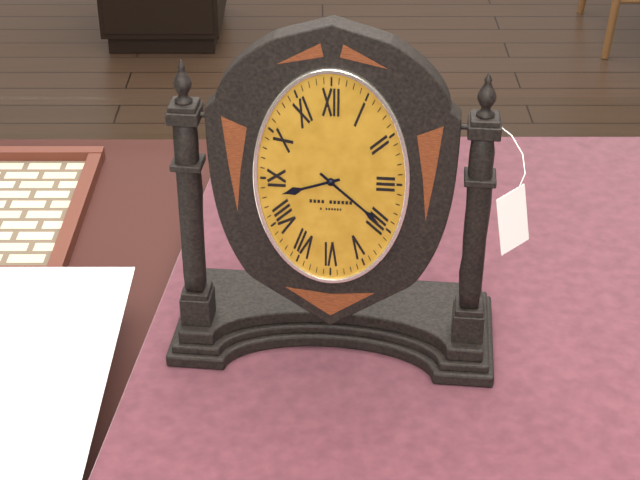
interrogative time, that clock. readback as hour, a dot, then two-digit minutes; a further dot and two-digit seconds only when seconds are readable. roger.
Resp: 8.22
